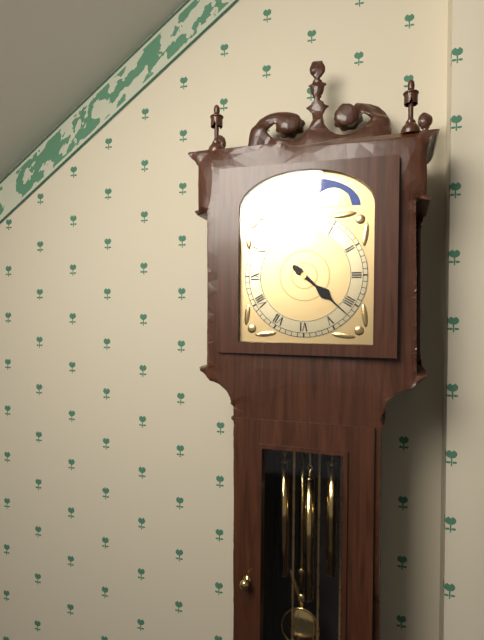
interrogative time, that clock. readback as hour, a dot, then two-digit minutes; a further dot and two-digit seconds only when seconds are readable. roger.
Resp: 4.22
